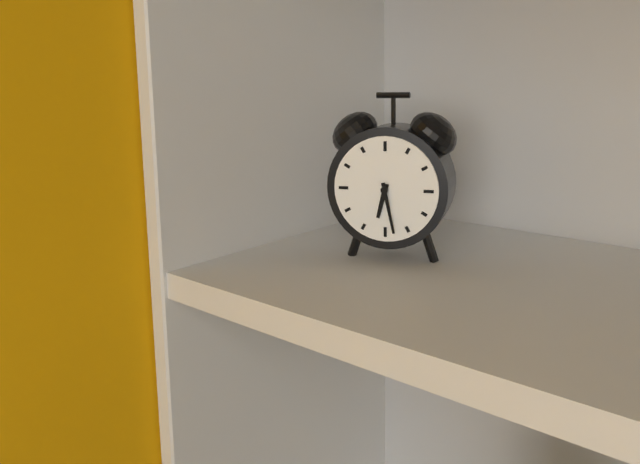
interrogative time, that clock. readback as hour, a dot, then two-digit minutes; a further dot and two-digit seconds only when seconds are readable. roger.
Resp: 6.28
